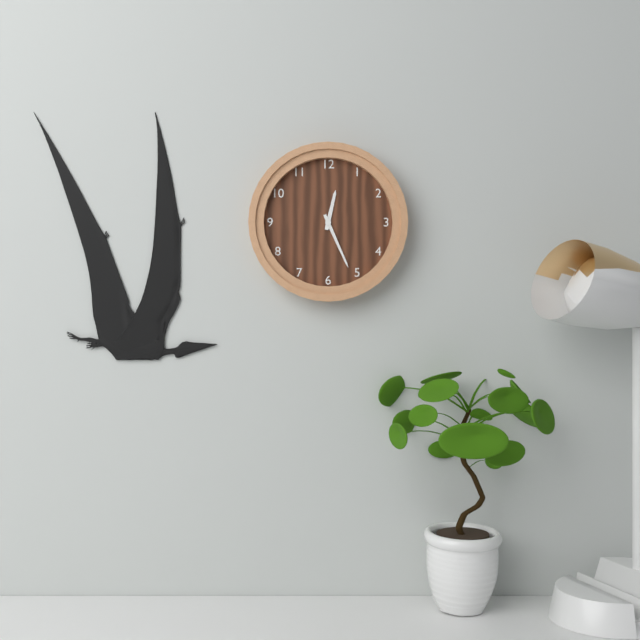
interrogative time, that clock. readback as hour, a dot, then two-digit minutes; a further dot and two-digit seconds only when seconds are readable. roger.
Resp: 12.26
